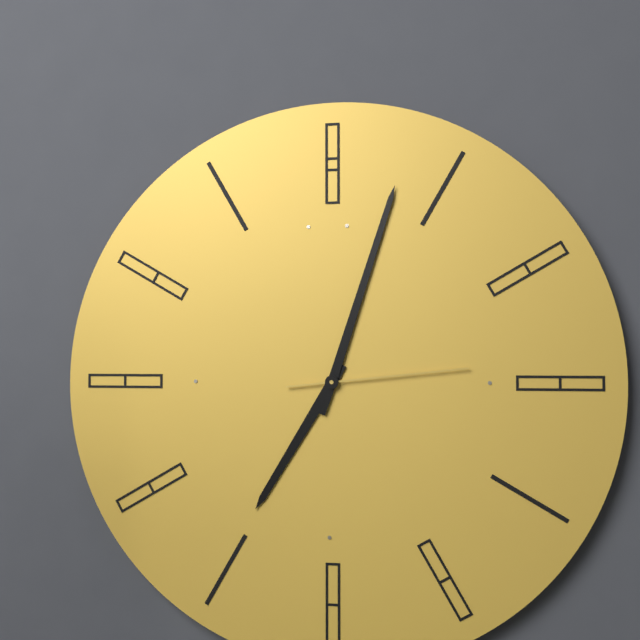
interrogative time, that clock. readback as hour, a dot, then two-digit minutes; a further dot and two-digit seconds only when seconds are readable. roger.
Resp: 7.03.14
